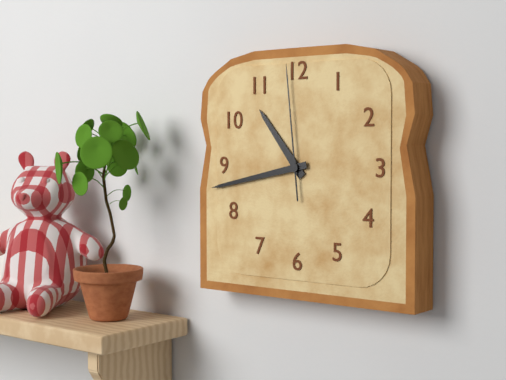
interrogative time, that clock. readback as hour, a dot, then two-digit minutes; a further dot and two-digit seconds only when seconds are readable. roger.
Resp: 10.43.59
